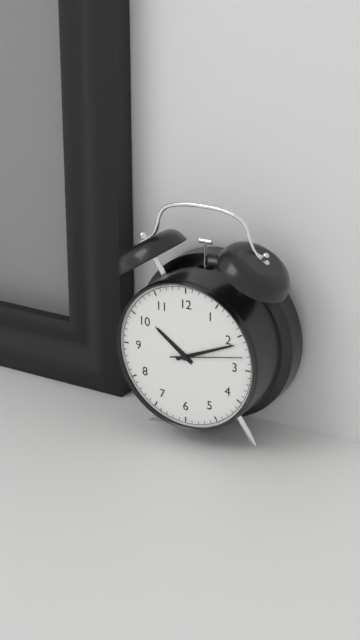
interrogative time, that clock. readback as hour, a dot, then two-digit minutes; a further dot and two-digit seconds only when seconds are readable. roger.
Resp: 10.11.13
